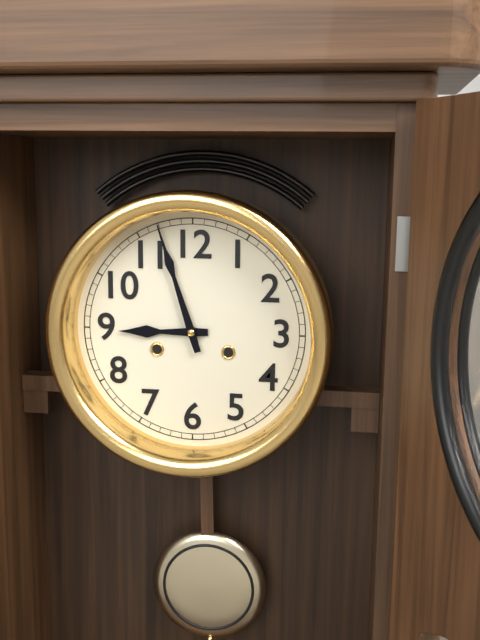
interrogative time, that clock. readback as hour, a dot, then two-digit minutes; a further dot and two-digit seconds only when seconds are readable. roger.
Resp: 8.57
